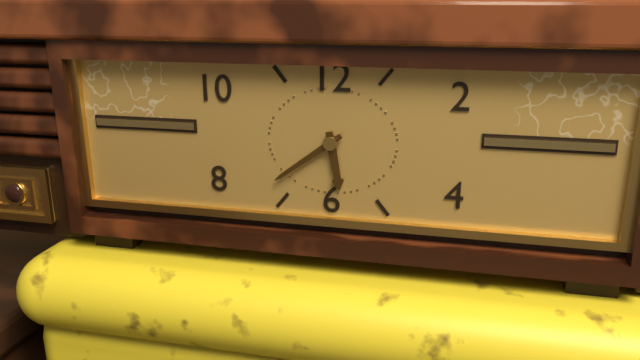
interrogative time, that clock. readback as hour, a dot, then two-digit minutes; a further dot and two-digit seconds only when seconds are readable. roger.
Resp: 5.39
